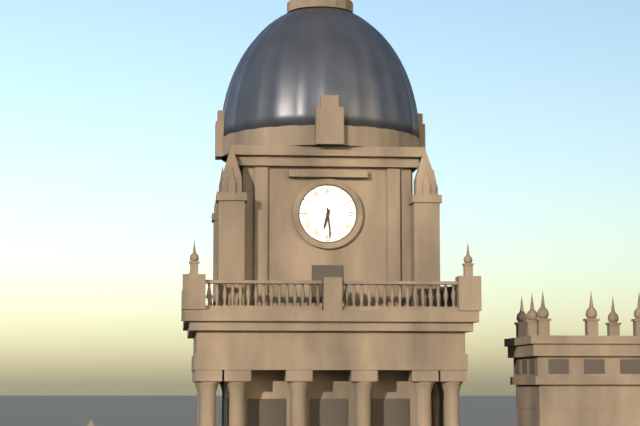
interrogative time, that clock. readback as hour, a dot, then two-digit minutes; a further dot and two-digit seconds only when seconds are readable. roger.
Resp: 6.29
